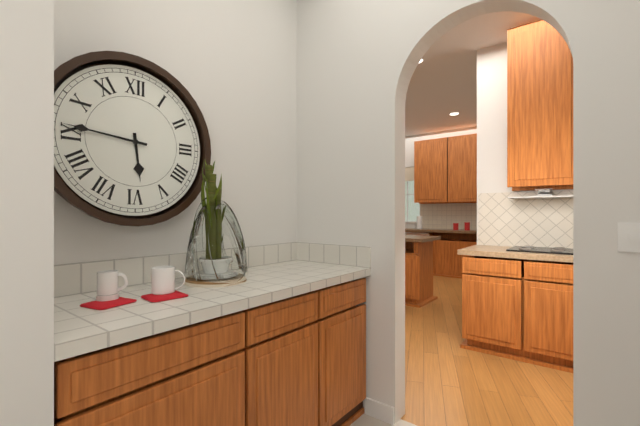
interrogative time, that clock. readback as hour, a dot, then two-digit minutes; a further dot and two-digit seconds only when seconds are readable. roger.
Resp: 5.46
